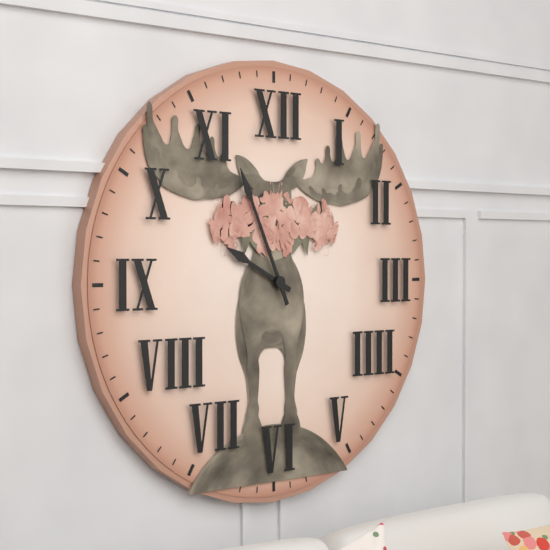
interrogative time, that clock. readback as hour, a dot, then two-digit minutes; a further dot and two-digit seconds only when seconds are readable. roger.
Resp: 9.56
